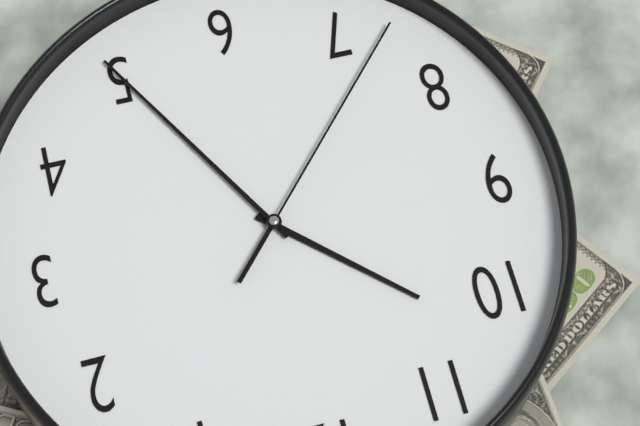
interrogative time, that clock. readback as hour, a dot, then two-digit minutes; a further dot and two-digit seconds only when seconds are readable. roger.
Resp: 10.25.37
